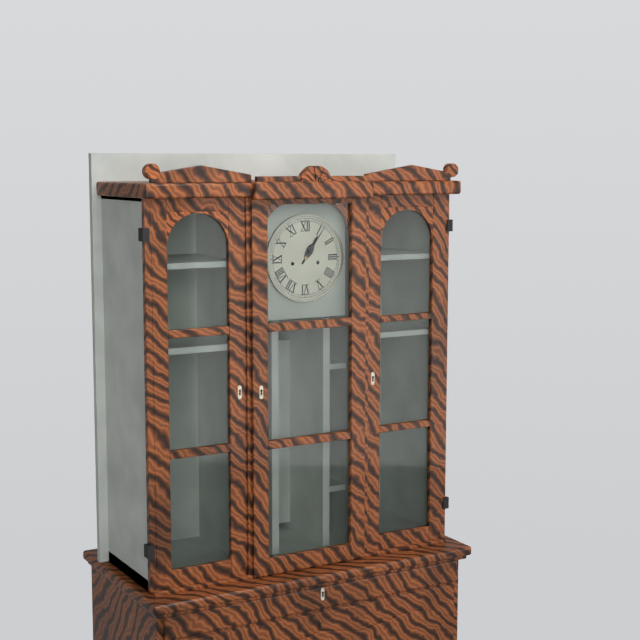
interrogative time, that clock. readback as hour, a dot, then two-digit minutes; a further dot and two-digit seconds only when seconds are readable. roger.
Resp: 1.06
